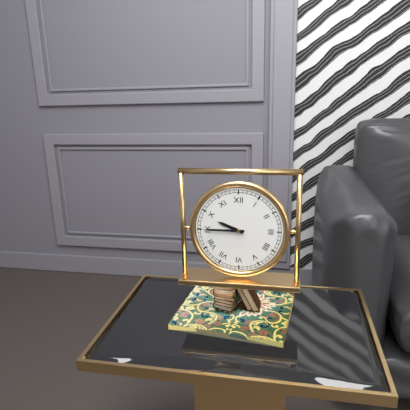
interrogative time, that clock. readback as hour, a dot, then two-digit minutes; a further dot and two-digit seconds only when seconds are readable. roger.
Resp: 9.45
